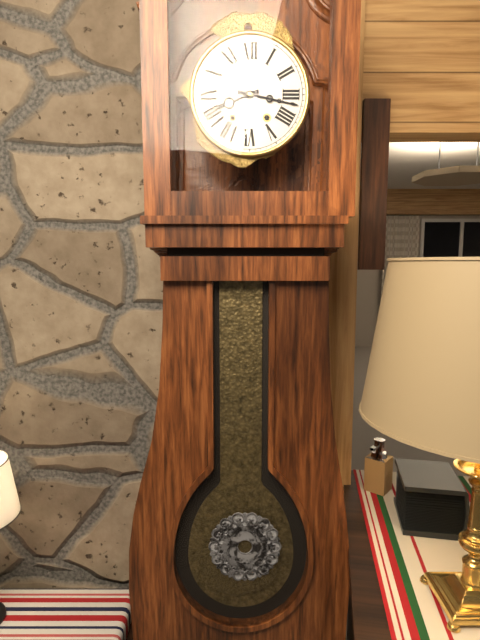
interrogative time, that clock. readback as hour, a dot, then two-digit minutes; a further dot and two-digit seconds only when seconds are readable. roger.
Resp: 8.17
